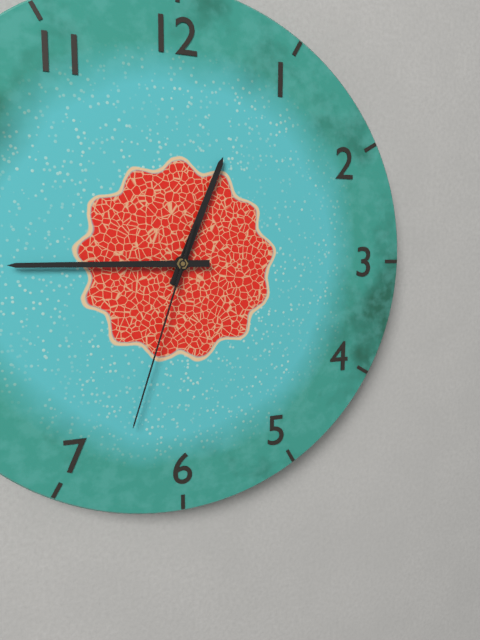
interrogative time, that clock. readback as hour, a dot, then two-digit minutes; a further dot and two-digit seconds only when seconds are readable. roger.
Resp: 12.45.33
